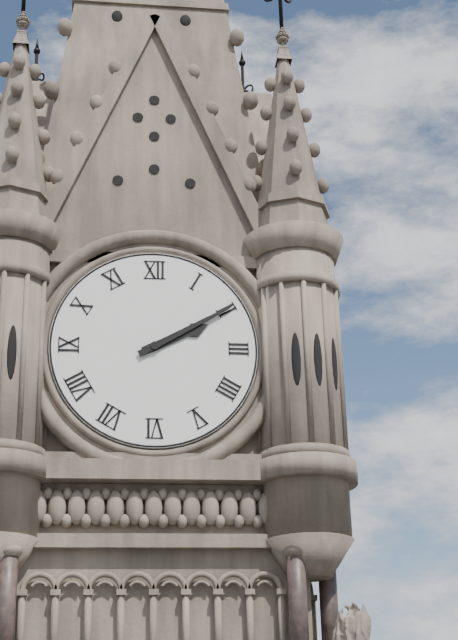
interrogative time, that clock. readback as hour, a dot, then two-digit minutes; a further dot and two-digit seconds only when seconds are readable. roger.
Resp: 2.10
